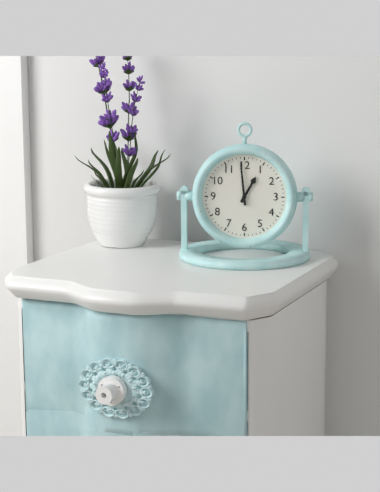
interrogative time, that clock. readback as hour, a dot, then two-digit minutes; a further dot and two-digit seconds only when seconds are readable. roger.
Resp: 12.59
